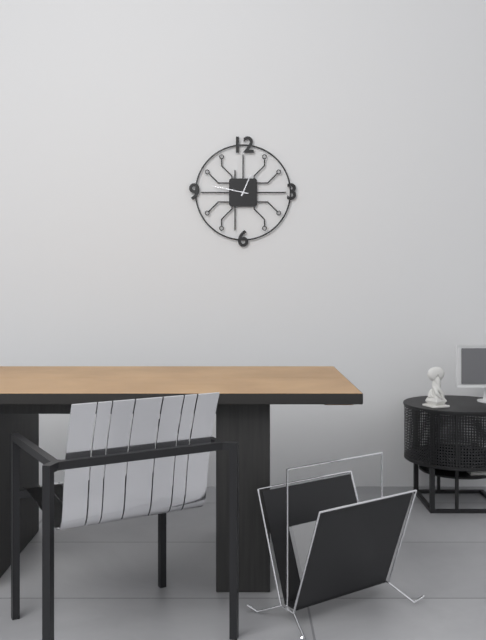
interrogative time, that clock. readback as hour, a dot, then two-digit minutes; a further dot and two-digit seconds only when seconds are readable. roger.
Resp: 12.47
